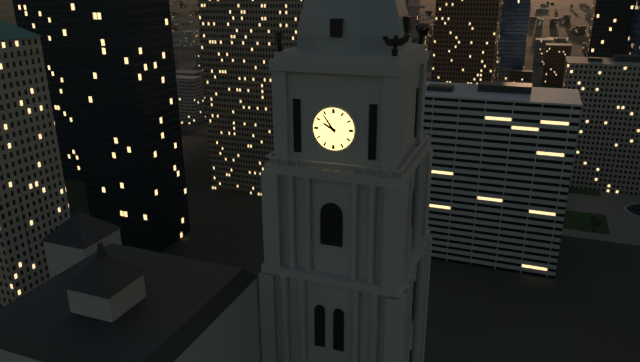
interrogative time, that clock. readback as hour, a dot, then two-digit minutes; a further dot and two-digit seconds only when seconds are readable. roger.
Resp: 9.54
